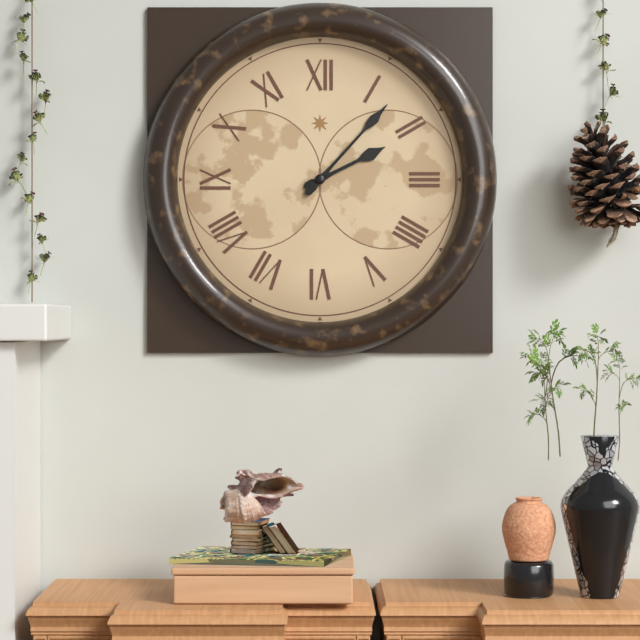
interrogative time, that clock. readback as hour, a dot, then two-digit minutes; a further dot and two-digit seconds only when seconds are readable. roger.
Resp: 2.07
